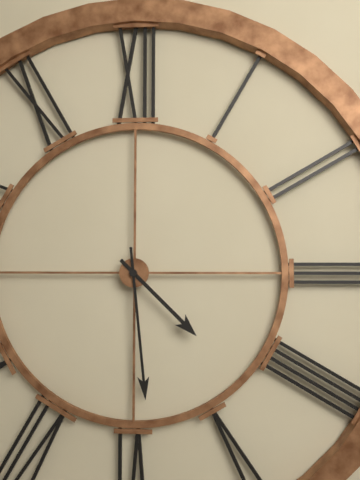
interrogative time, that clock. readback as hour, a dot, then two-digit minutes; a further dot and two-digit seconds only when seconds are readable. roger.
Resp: 4.29
